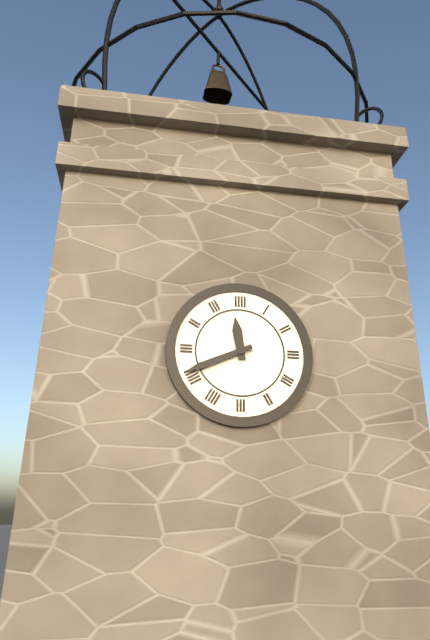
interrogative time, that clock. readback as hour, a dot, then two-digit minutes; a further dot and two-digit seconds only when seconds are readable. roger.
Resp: 11.41
